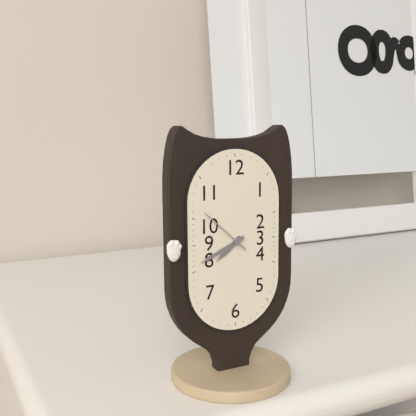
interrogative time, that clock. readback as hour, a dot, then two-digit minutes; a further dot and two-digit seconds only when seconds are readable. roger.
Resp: 7.41.52
